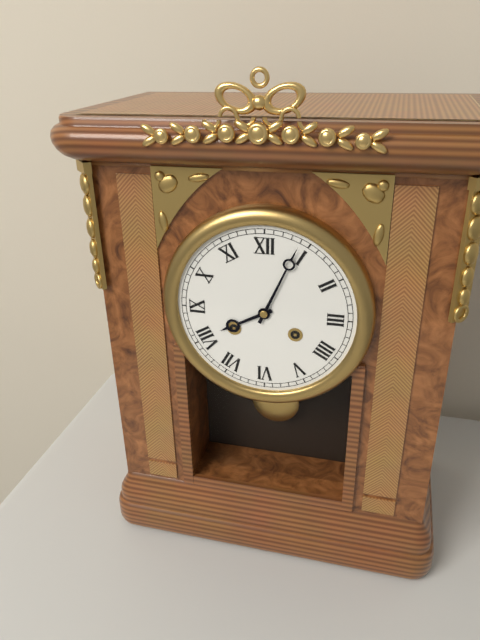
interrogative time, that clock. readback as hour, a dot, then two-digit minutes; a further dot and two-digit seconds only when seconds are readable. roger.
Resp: 8.04
